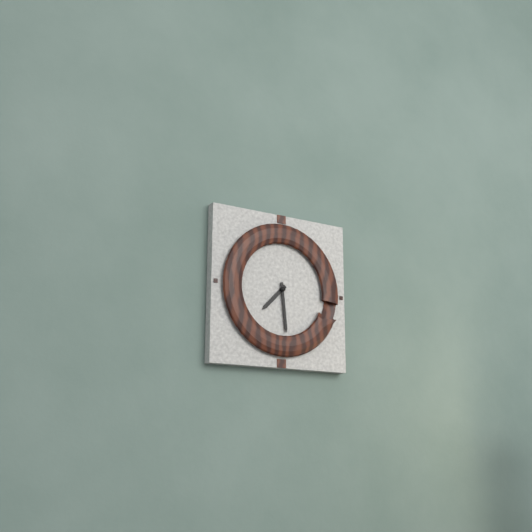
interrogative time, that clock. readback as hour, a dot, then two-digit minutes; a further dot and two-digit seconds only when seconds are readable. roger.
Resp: 7.29
